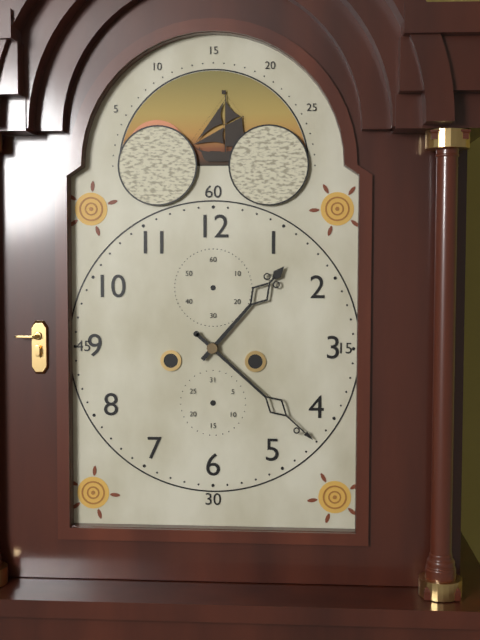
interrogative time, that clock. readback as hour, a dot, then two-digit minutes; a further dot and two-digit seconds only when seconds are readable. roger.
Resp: 1.22
